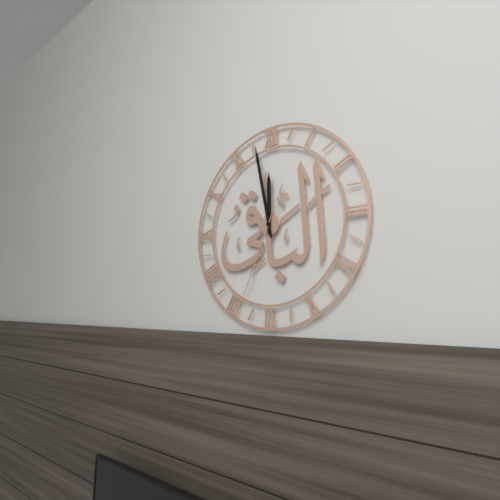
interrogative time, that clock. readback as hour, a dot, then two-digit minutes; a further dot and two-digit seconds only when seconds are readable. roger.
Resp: 11.58.34
